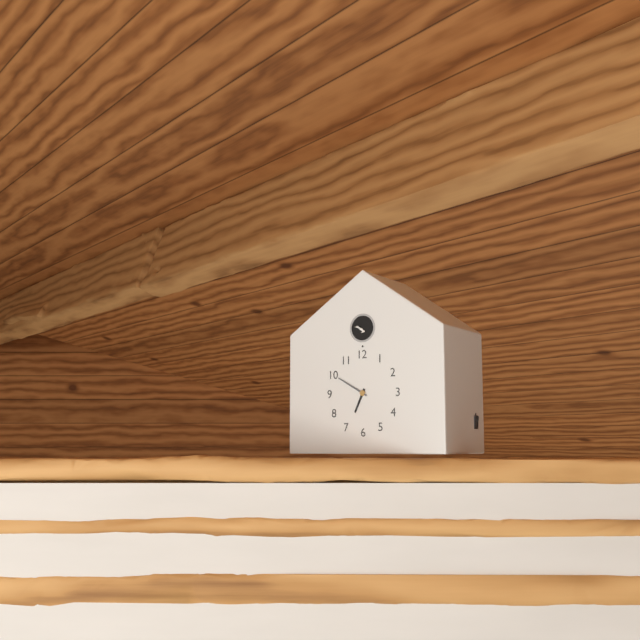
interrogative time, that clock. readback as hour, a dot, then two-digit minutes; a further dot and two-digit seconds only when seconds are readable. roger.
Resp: 6.50
